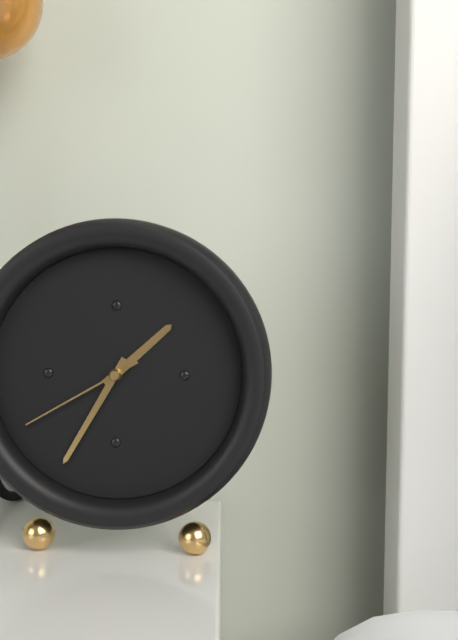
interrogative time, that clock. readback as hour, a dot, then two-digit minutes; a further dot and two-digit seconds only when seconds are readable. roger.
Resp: 1.35.40
